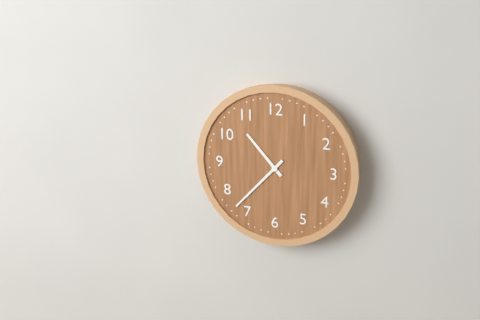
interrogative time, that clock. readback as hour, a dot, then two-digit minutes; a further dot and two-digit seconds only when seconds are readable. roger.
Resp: 10.37
